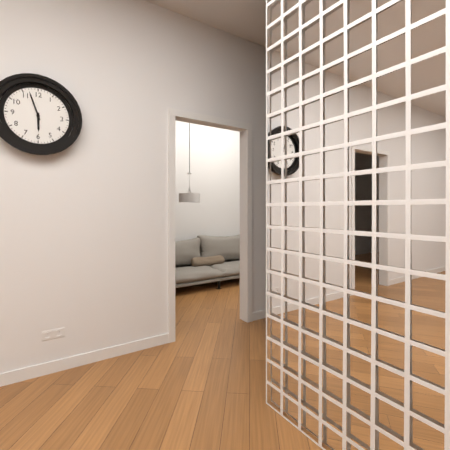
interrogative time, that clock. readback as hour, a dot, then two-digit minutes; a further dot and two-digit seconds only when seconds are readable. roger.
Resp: 5.57
